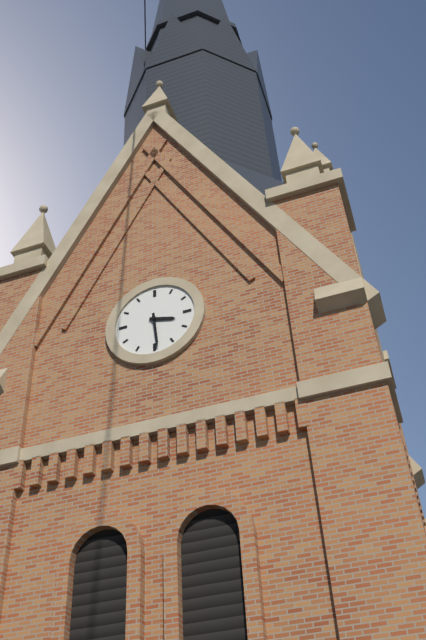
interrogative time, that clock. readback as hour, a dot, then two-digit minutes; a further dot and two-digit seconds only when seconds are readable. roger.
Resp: 3.29
